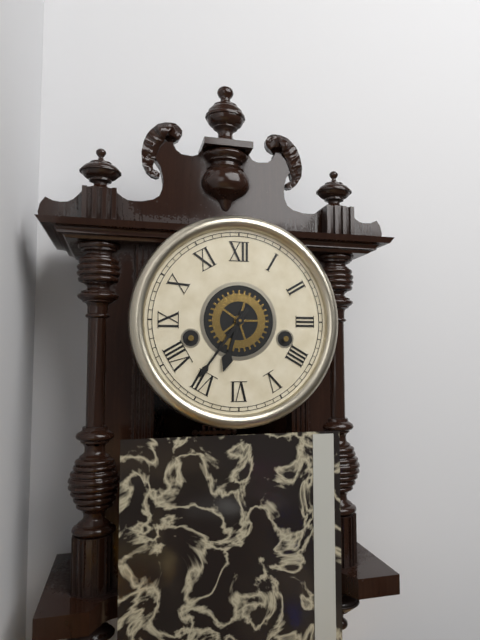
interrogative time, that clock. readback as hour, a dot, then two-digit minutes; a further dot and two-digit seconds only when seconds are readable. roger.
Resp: 6.36
